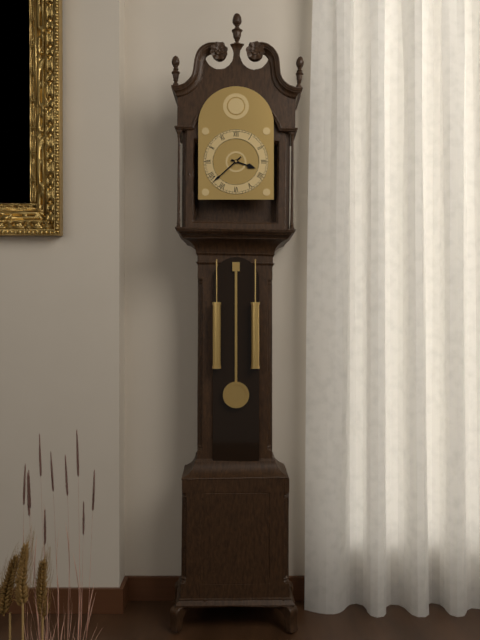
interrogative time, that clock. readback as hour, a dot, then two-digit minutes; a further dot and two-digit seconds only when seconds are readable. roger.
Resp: 3.38
